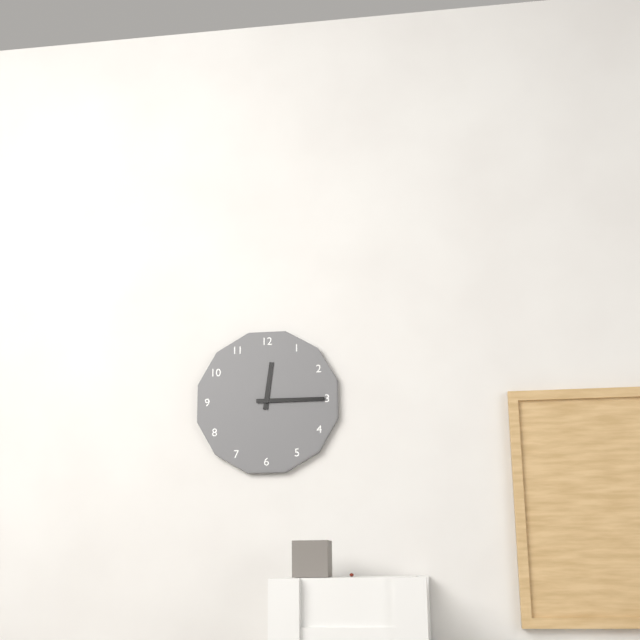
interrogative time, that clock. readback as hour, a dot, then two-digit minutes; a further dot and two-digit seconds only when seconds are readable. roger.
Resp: 12.15
